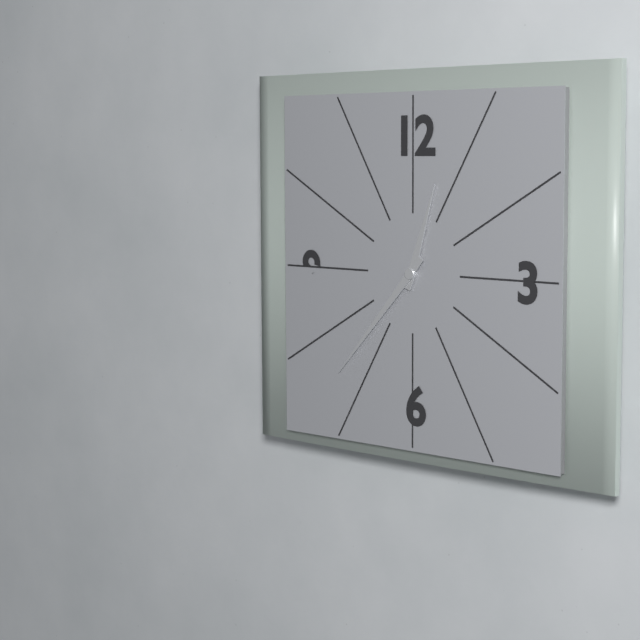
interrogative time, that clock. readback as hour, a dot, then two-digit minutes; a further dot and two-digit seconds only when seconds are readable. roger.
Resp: 12.37
